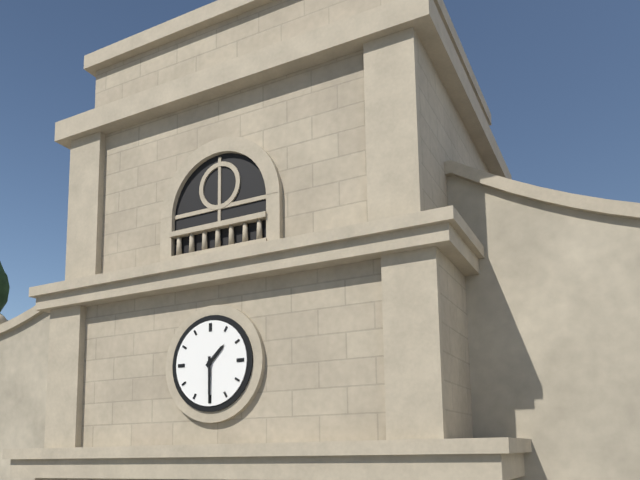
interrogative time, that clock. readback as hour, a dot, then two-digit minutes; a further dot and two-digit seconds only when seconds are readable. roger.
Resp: 1.30
